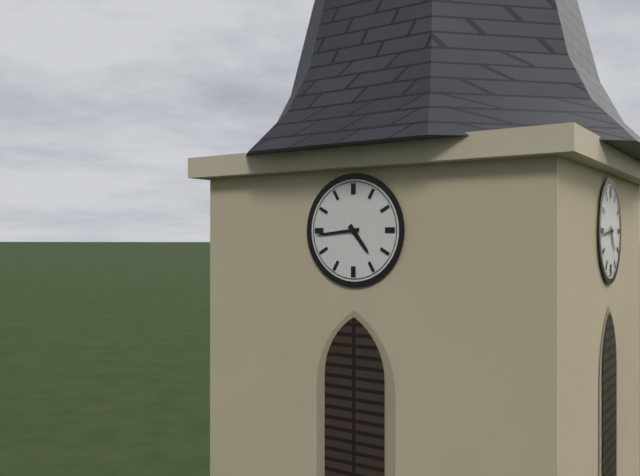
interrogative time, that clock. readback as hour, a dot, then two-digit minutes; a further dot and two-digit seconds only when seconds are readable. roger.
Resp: 4.44
